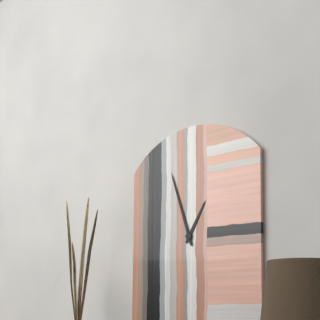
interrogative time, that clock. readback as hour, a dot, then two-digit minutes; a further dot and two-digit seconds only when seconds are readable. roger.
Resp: 12.57
